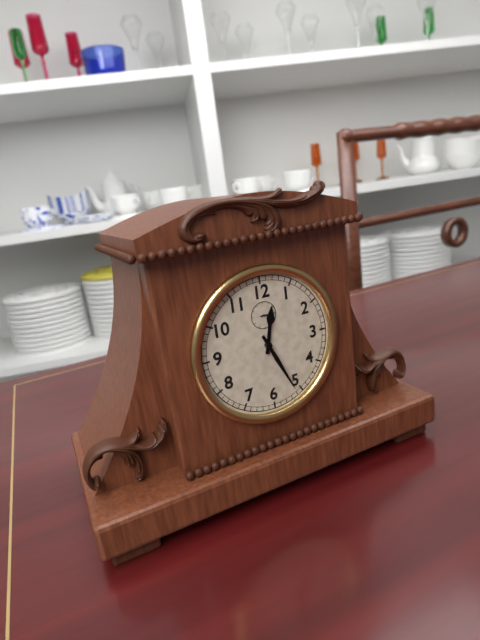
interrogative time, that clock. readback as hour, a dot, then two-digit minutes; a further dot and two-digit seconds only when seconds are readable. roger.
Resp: 12.26
